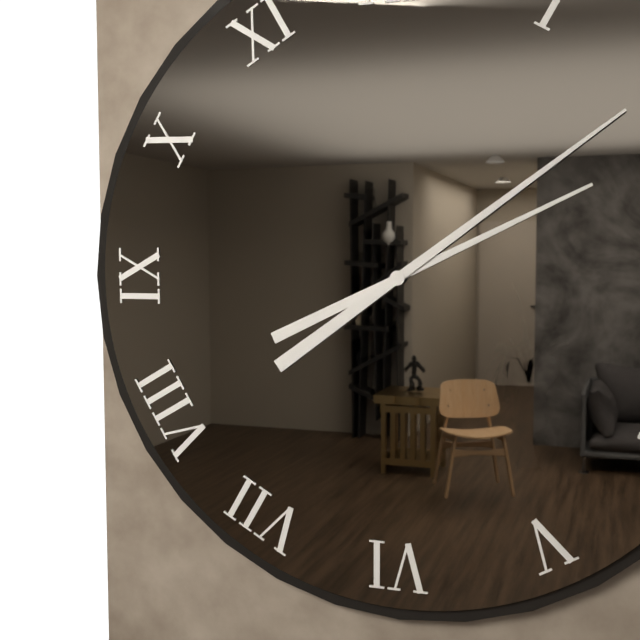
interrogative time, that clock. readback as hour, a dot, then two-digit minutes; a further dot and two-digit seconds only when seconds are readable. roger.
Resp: 2.09
